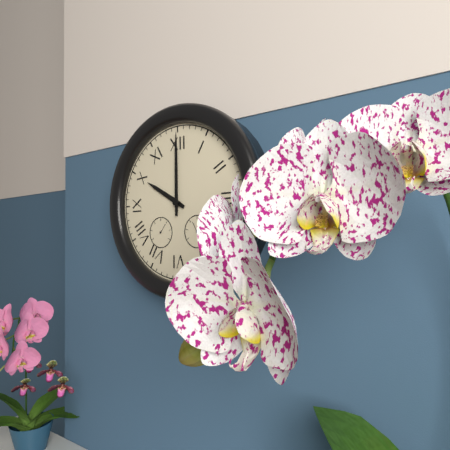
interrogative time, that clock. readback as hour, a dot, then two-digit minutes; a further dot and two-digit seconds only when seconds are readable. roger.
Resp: 10.00
